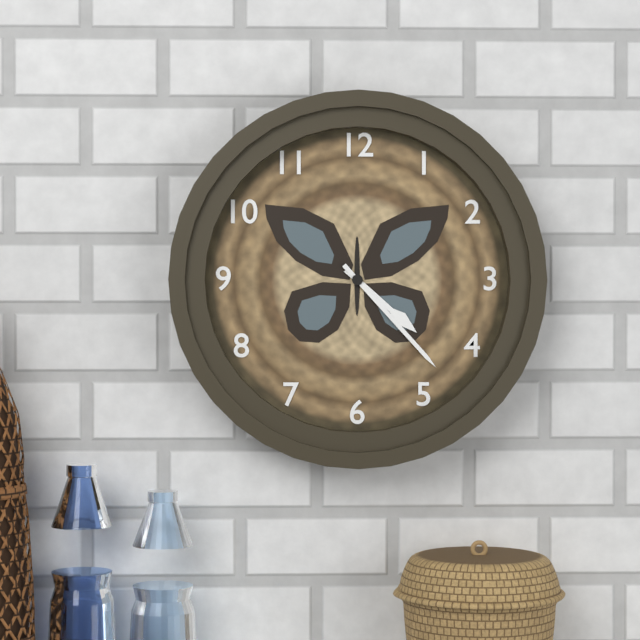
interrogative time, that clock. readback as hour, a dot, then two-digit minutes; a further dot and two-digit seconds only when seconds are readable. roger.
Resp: 4.23
